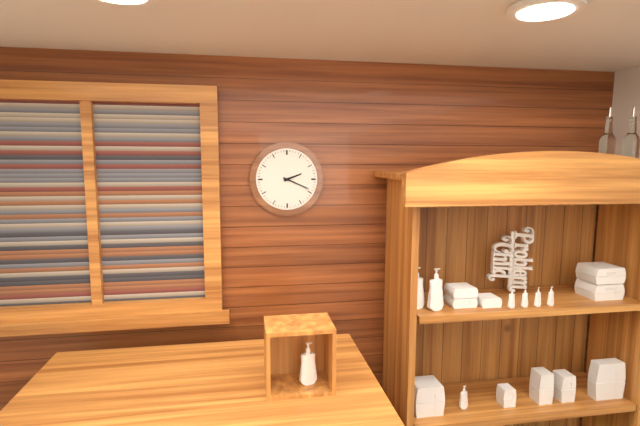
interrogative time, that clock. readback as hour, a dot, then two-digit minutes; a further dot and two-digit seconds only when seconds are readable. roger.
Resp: 2.19
